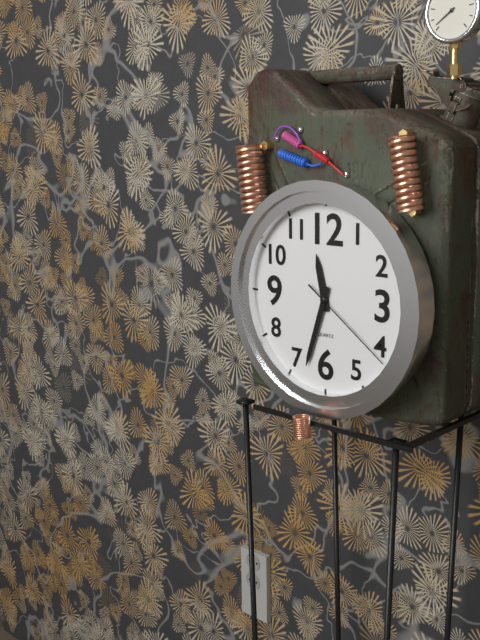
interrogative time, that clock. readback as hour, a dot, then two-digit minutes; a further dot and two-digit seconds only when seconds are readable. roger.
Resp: 11.33.21
